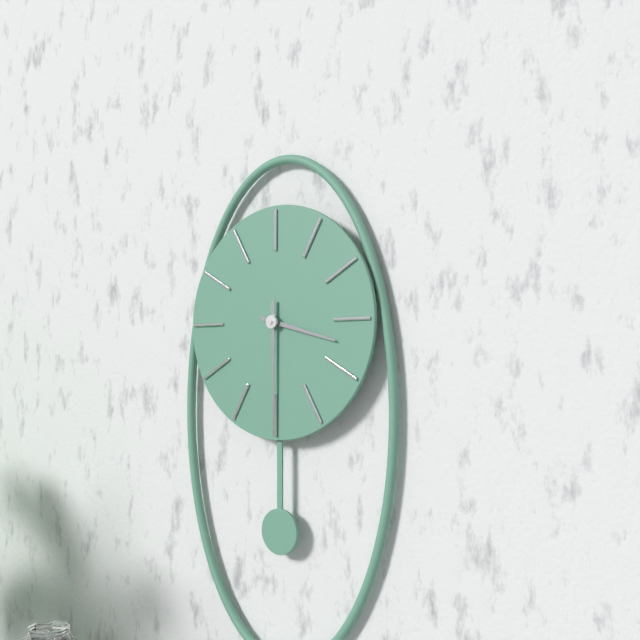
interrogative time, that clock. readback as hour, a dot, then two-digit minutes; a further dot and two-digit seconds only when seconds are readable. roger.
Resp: 3.30
